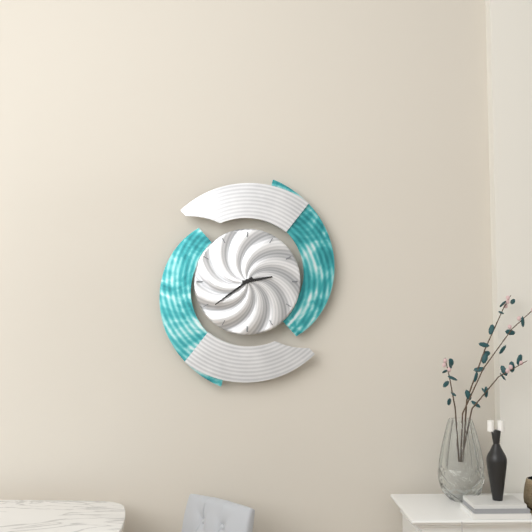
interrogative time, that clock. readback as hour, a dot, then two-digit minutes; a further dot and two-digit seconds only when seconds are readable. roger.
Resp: 2.39
